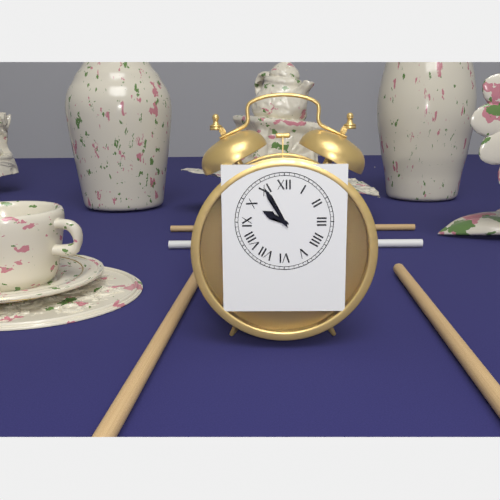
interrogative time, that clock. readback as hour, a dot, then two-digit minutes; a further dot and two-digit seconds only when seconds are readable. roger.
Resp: 9.55
